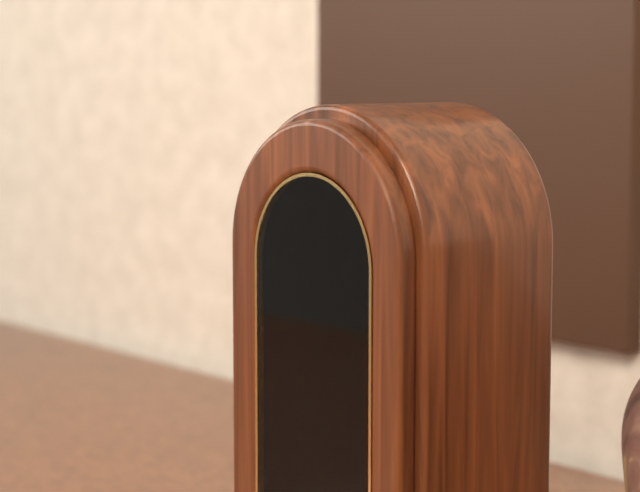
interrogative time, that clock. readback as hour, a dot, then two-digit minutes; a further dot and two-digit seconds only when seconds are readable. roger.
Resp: 5.07
